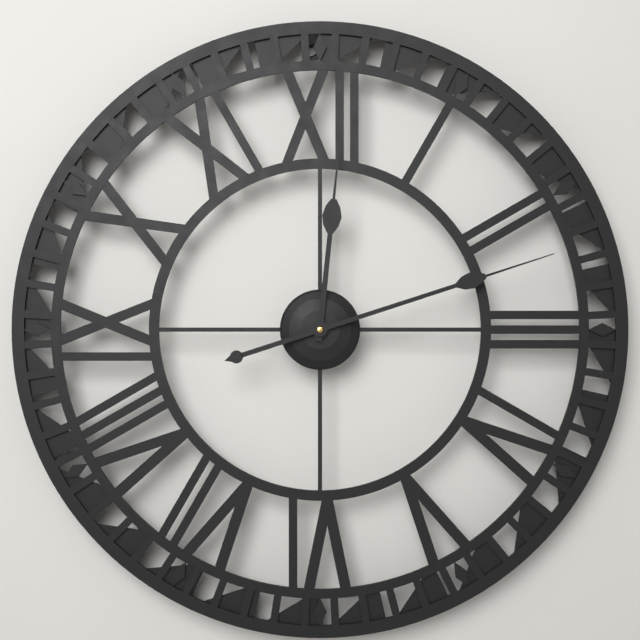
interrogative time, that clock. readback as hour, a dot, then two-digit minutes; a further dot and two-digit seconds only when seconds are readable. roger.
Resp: 12.12
